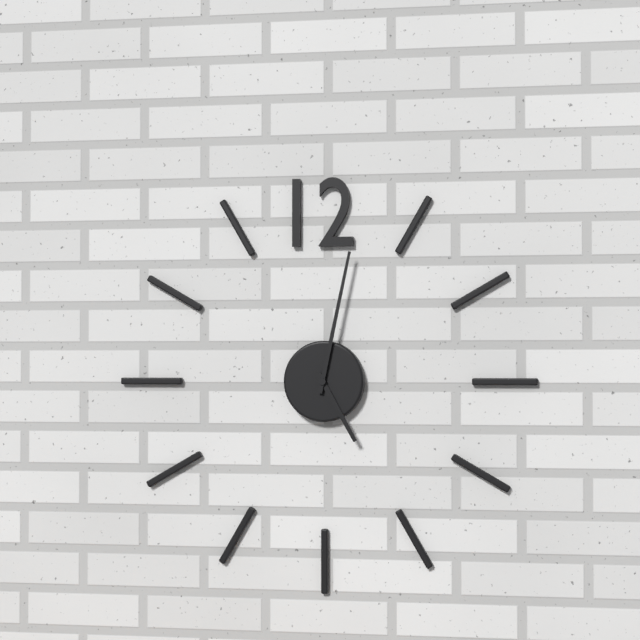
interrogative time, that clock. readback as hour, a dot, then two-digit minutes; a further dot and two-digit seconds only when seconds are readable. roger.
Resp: 5.02
